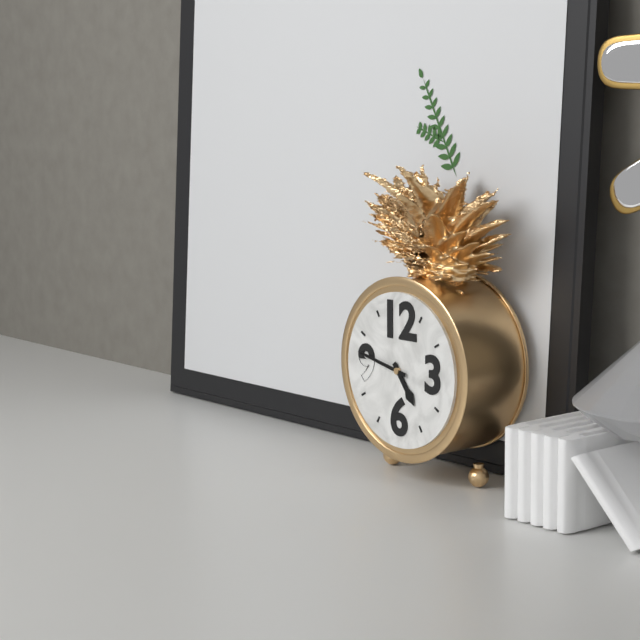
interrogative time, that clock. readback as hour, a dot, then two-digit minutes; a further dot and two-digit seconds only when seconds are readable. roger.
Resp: 4.47
